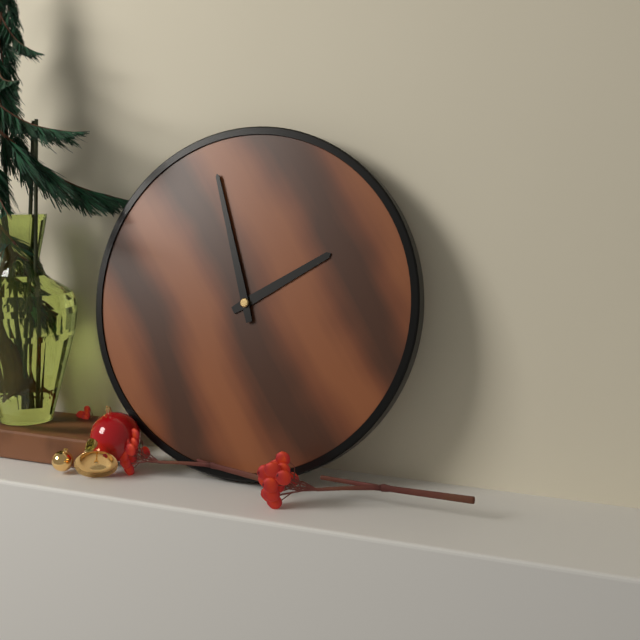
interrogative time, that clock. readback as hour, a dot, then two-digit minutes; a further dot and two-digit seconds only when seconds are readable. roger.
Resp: 1.57
